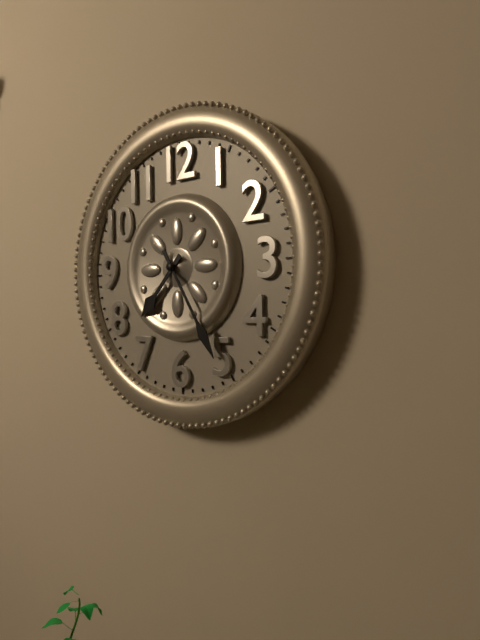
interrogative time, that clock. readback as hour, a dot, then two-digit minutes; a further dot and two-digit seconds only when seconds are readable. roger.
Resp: 7.25
